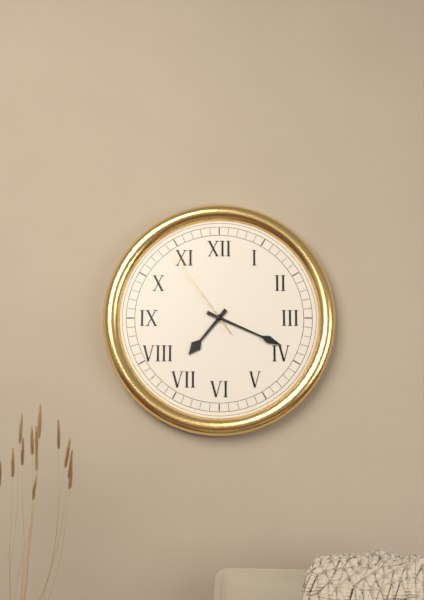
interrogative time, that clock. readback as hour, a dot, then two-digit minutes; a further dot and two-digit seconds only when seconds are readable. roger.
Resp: 7.19.54
